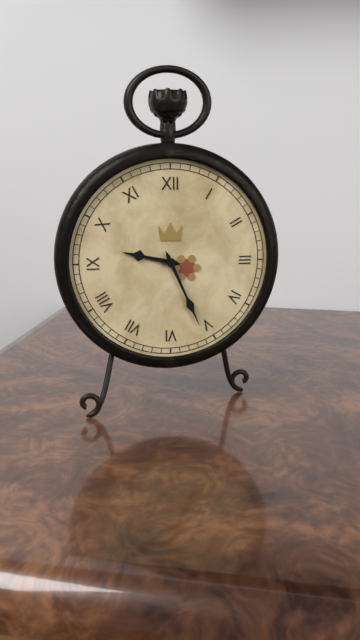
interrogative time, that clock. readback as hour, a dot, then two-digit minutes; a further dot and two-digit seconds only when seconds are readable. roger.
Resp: 9.26
